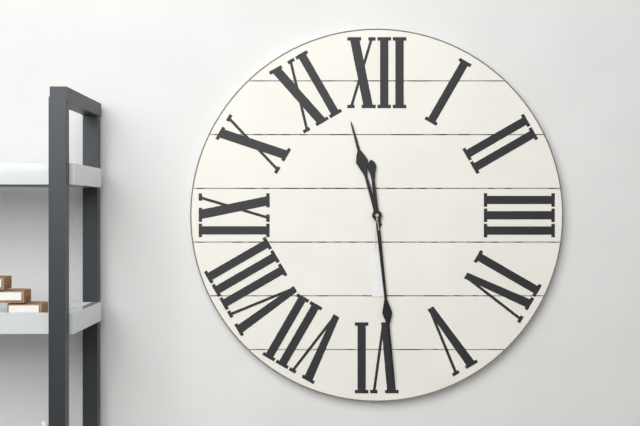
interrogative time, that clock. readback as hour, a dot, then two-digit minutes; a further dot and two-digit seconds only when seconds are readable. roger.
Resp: 11.29
